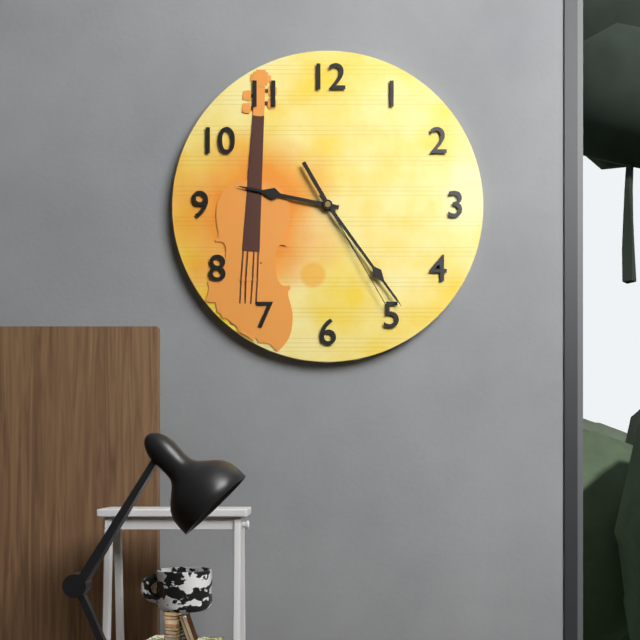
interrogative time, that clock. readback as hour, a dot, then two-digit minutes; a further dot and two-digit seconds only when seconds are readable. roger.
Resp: 9.24.25
